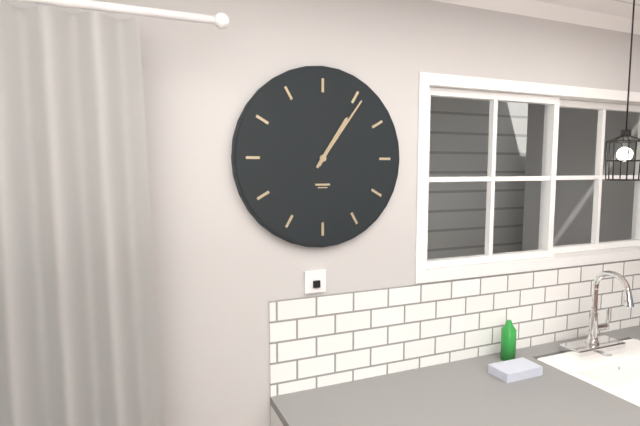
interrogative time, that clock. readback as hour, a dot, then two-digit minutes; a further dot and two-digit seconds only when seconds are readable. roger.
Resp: 1.06
